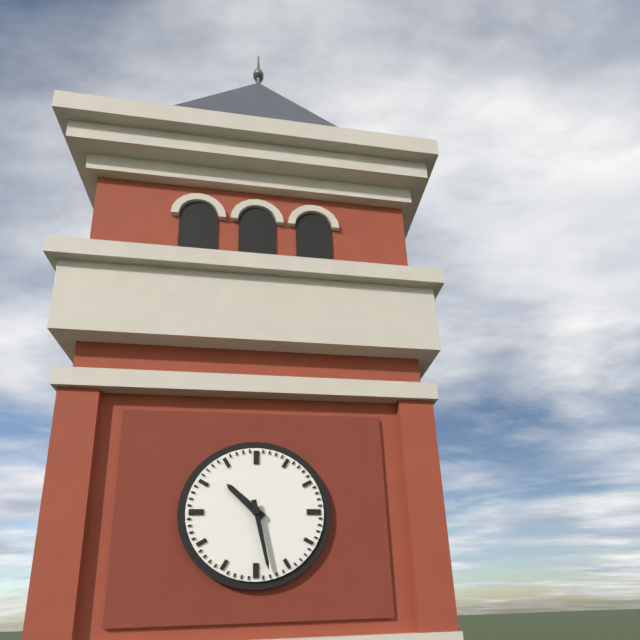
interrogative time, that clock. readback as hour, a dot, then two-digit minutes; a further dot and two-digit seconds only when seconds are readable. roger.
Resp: 10.28
